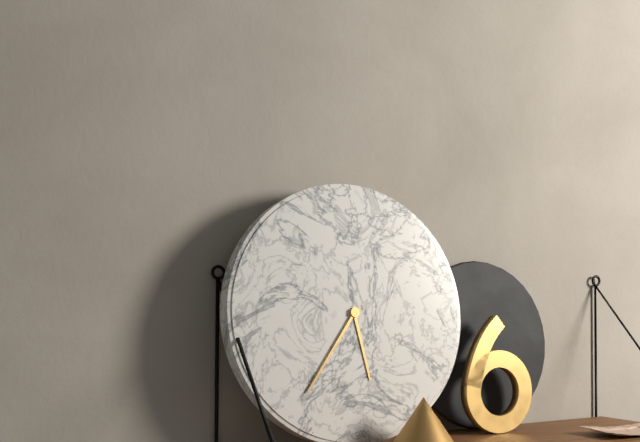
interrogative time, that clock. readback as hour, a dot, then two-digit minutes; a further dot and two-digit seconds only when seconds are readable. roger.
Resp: 5.36
